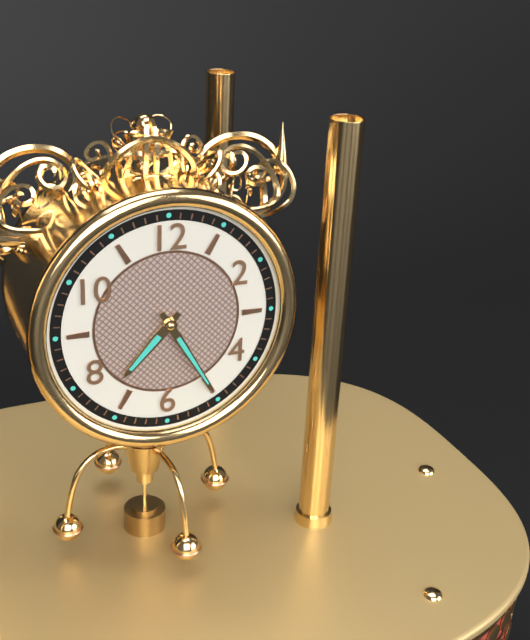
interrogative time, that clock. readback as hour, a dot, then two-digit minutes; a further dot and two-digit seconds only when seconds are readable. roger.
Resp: 7.25
